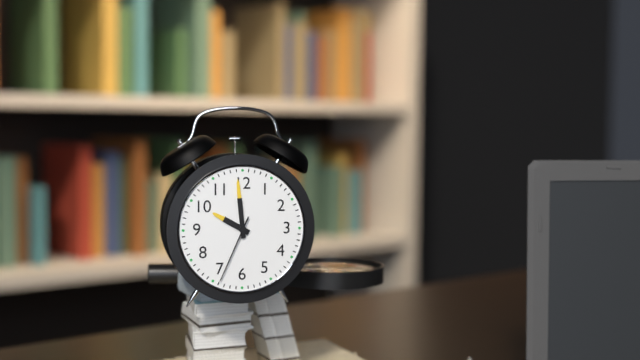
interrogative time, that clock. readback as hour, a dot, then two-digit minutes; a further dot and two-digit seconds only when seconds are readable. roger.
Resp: 9.59.34
